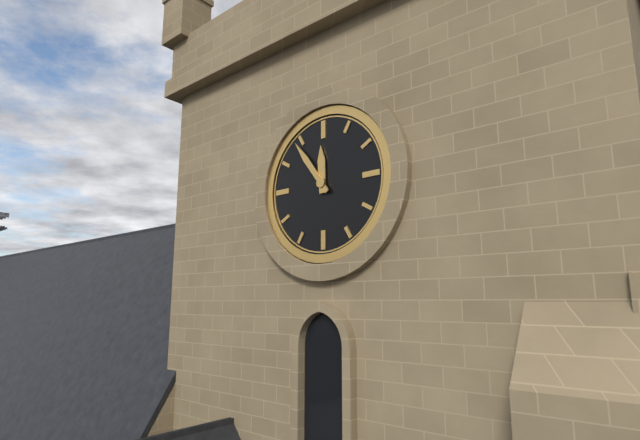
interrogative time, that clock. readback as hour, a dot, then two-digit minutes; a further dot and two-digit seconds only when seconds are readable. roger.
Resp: 11.54
